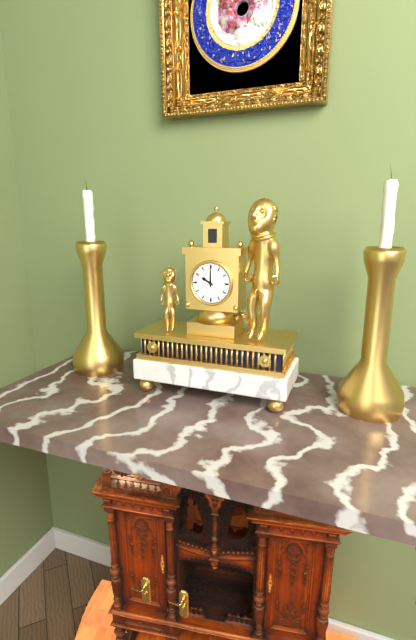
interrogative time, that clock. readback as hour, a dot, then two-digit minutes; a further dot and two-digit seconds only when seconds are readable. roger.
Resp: 10.00
